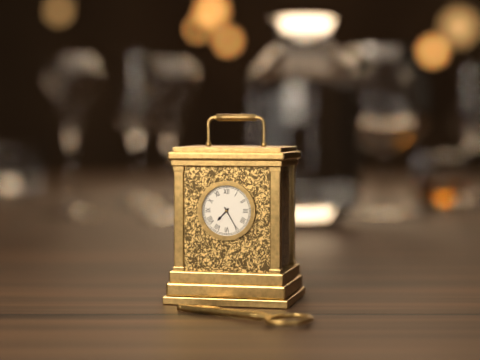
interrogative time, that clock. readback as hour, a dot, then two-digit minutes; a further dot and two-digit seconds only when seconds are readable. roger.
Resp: 7.25
